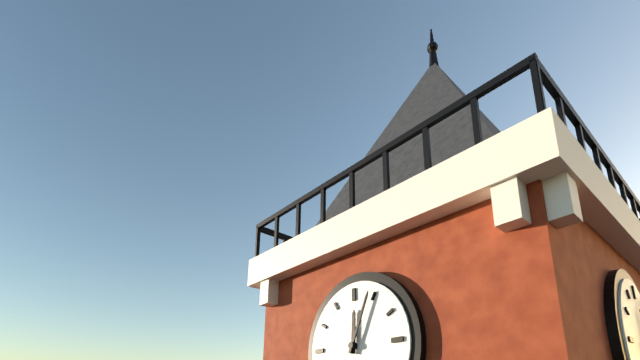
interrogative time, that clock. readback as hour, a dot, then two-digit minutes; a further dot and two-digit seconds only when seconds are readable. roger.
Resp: 12.04
